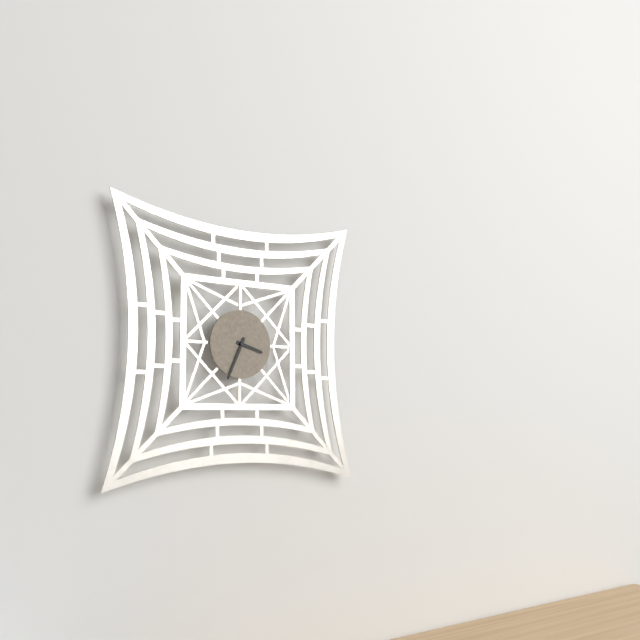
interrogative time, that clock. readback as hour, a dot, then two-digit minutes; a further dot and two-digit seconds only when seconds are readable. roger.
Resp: 3.34
